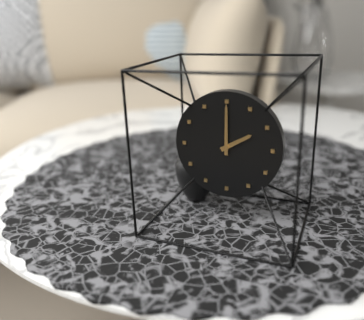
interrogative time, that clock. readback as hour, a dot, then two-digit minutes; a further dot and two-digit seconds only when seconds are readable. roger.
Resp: 2.00
